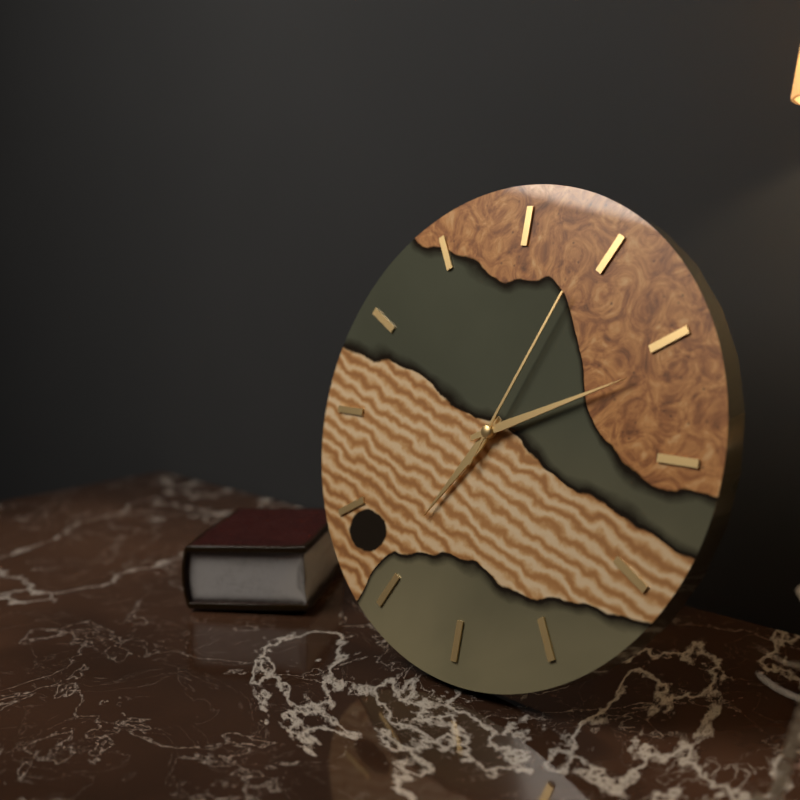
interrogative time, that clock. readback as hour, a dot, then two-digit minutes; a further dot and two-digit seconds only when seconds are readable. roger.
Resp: 7.11.04
